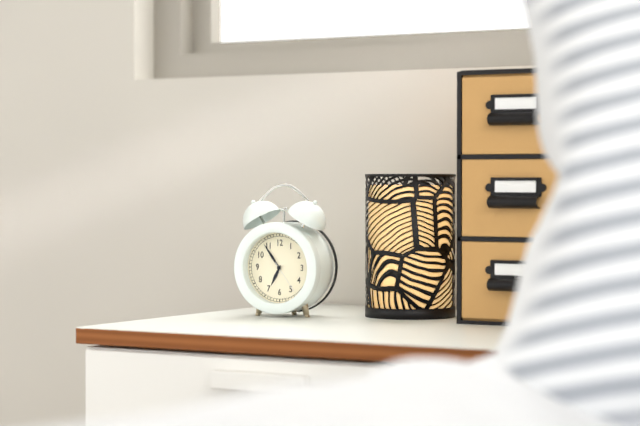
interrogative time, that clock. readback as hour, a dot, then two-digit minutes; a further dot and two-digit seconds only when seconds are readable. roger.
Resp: 6.54
